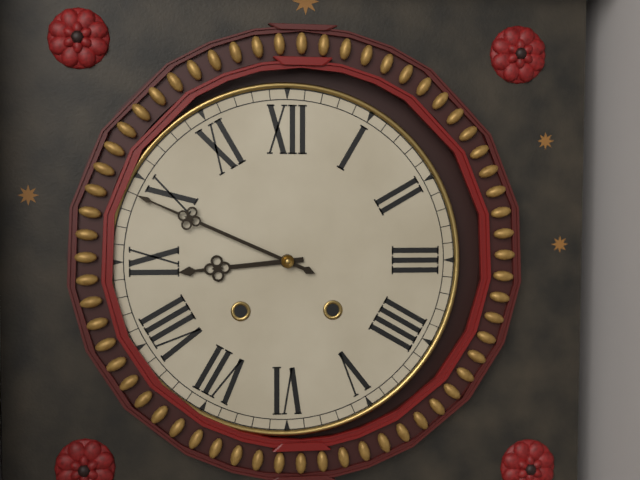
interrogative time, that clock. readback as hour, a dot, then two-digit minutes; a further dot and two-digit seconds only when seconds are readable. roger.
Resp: 8.49
